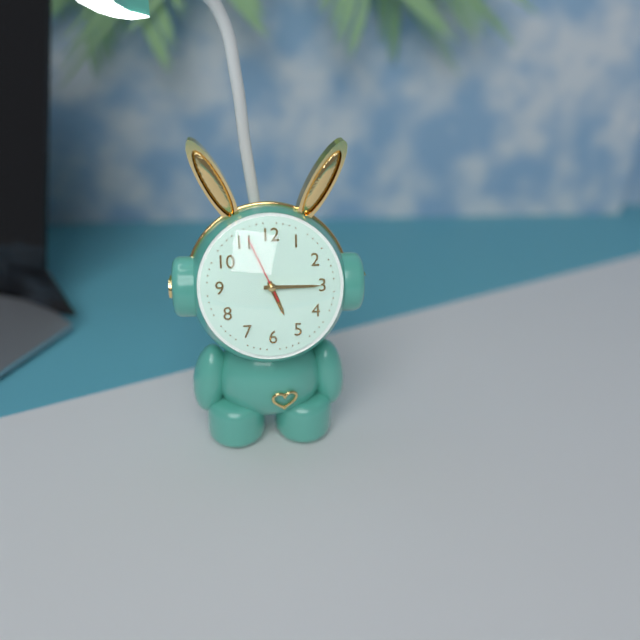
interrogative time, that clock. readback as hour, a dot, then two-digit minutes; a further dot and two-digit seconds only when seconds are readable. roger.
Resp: 5.15.56
